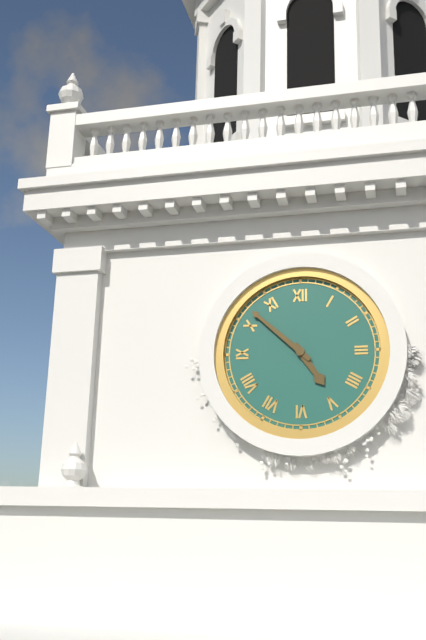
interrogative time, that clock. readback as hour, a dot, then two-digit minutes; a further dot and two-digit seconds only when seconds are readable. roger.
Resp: 4.52
